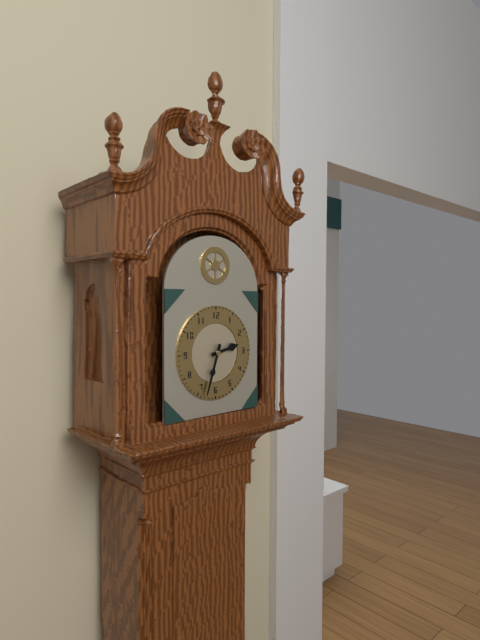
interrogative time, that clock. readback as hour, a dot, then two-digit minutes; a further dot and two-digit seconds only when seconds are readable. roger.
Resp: 2.33
